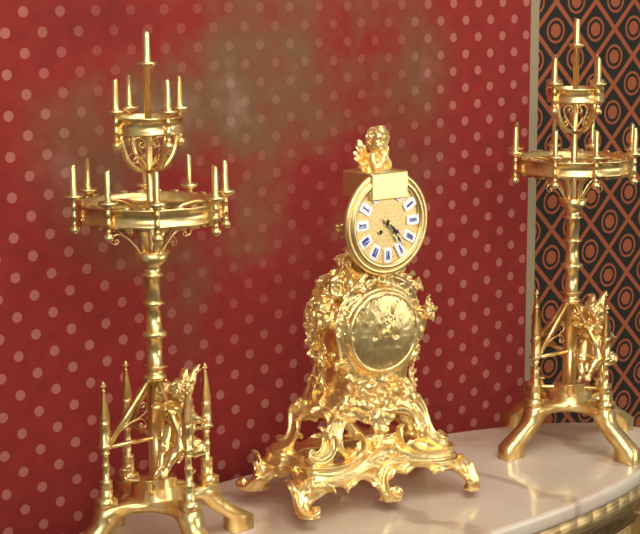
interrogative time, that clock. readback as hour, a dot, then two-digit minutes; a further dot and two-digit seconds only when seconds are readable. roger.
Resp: 4.24
